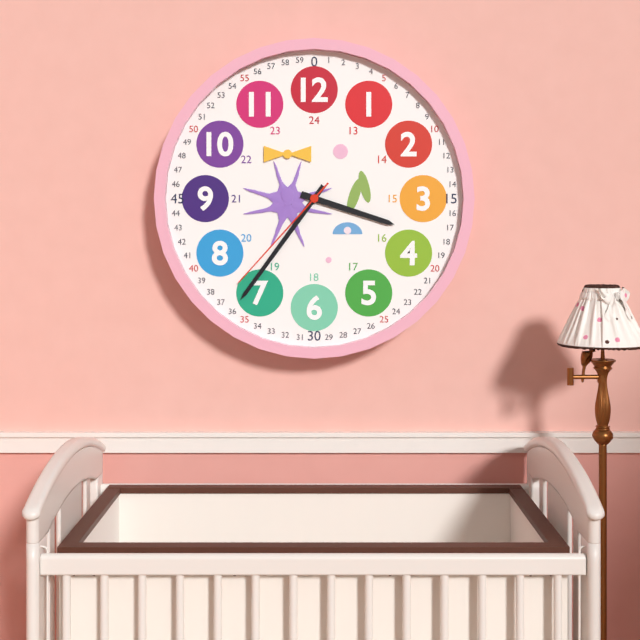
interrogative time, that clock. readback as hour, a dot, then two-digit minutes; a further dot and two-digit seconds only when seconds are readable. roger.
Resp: 3.36.37
